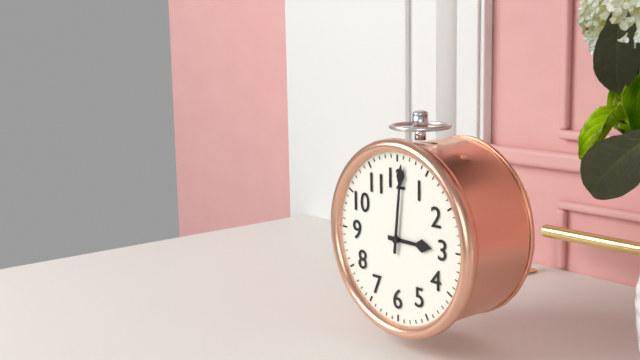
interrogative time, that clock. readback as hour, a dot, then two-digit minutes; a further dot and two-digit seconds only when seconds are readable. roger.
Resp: 3.01
